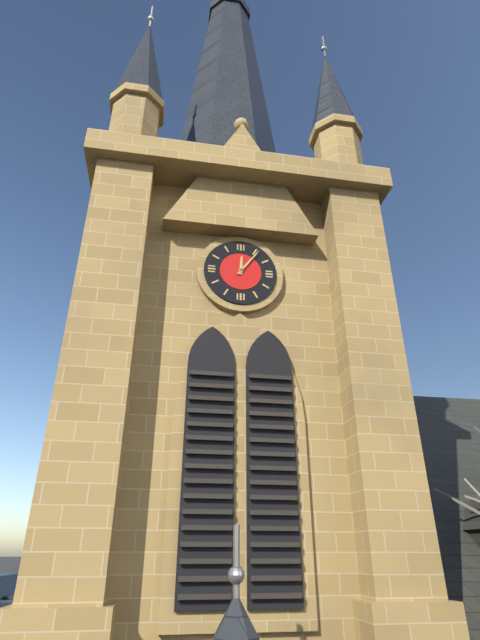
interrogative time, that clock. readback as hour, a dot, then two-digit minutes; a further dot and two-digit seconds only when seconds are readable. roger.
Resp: 12.06
